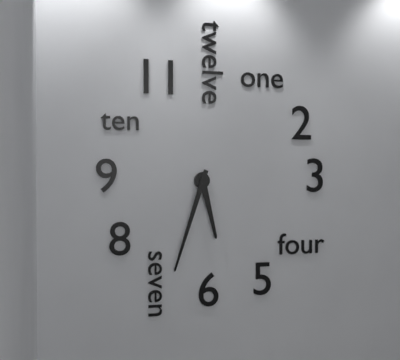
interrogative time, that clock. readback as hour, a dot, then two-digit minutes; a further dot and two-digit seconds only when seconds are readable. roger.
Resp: 5.33
